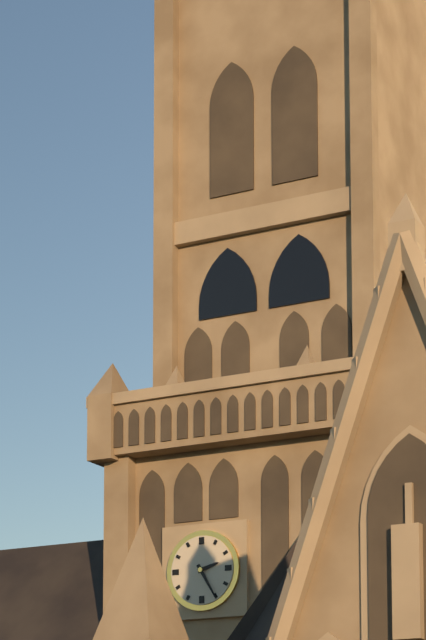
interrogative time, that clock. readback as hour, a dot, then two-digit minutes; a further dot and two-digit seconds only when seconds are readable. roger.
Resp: 2.25
